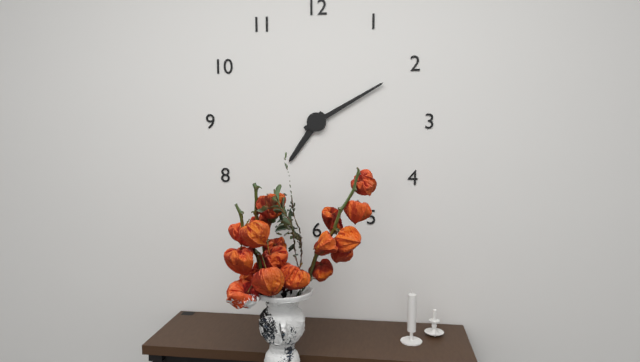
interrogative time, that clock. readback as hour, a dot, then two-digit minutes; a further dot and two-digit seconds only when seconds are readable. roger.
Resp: 7.10
